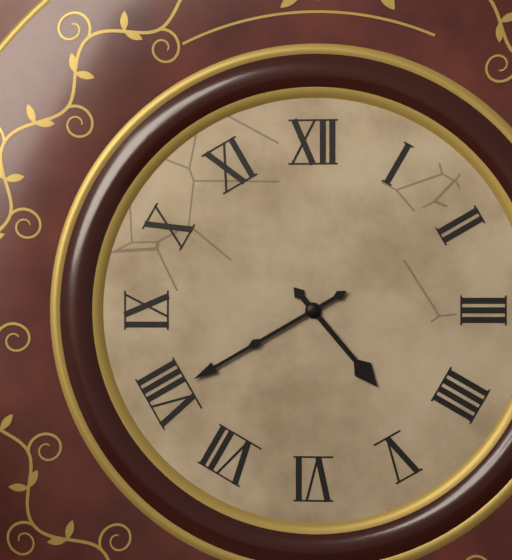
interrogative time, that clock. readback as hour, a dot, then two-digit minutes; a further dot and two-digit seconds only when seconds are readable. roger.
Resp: 4.40
